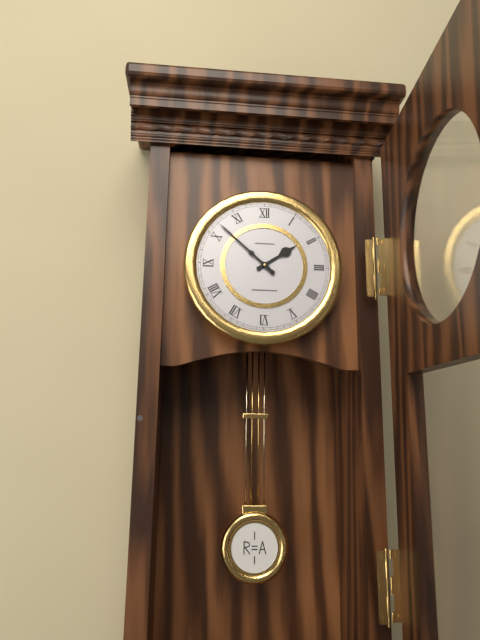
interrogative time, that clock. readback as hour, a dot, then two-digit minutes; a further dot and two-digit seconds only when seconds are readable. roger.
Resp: 1.52
